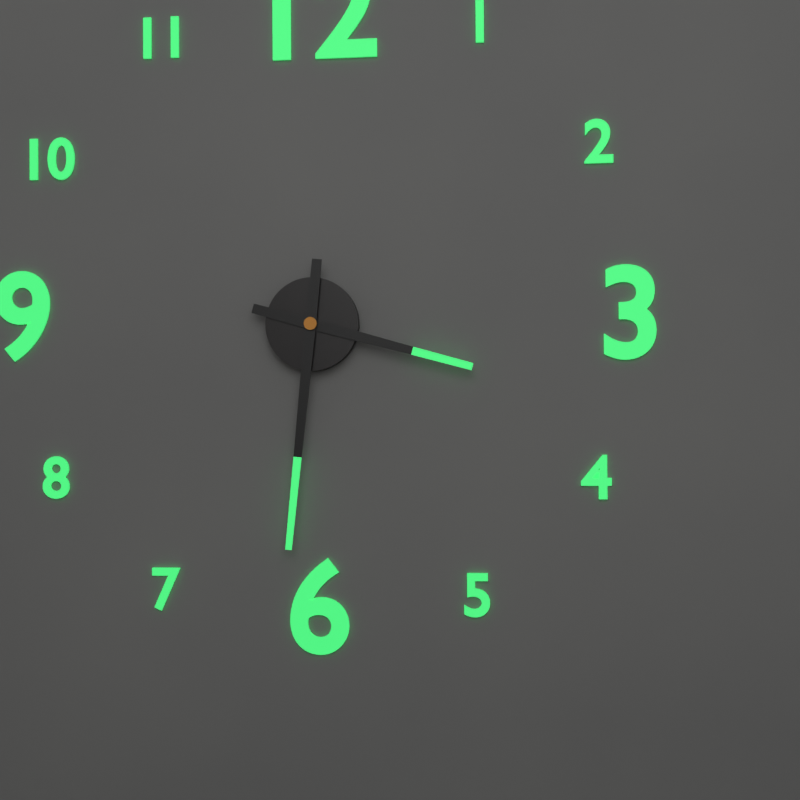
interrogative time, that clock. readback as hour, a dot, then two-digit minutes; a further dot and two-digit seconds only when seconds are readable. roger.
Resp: 3.31
